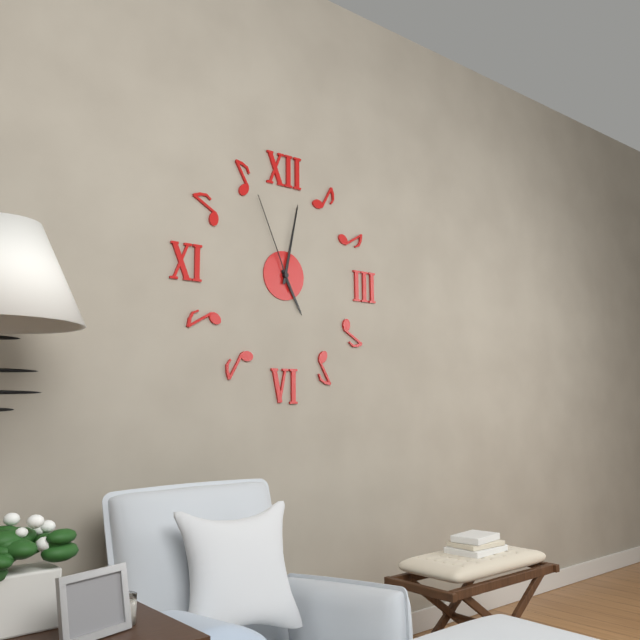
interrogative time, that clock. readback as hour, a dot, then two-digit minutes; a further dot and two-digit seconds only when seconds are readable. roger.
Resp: 5.02.56
